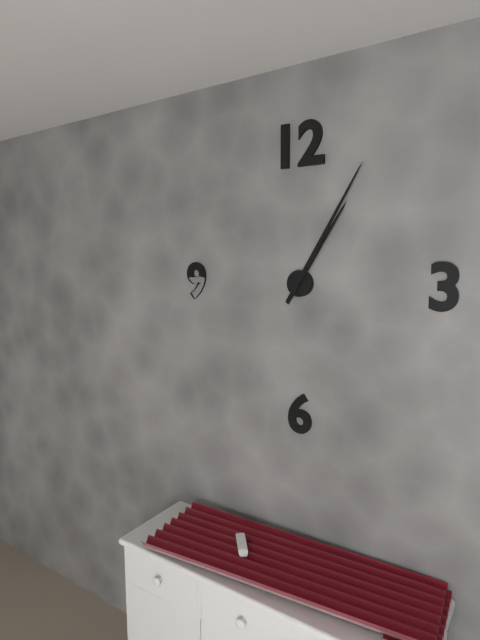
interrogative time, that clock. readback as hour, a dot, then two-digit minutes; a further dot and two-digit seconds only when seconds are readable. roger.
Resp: 1.05
